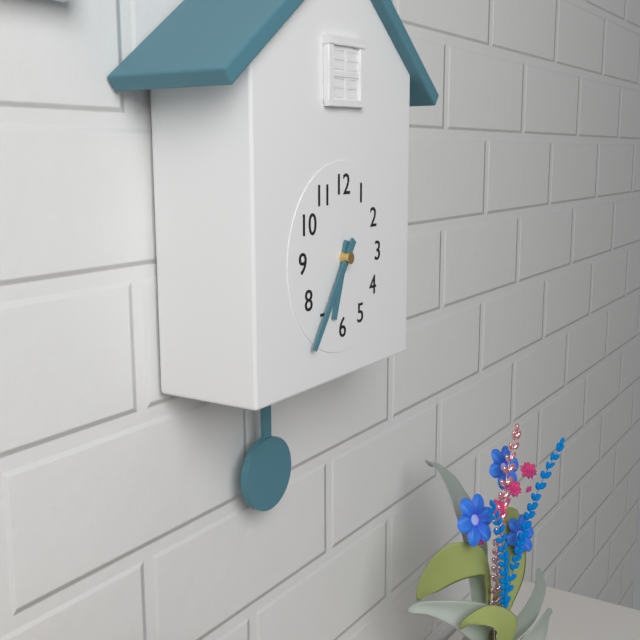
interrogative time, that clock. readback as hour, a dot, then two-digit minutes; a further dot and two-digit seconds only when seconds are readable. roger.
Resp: 6.36
